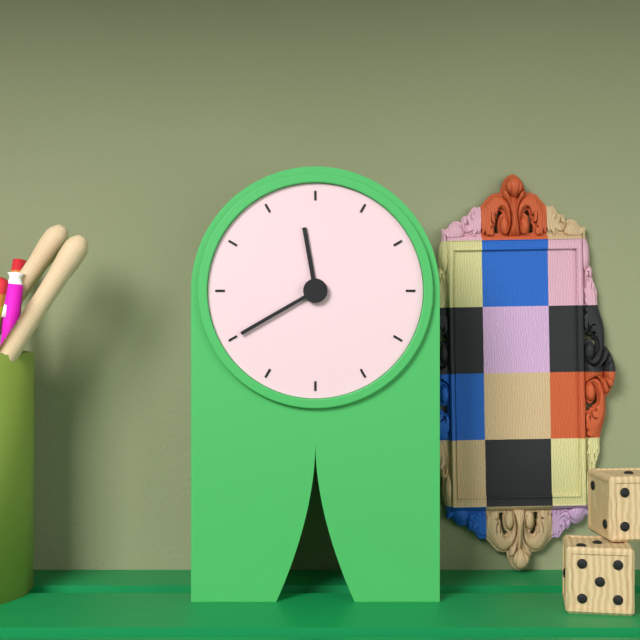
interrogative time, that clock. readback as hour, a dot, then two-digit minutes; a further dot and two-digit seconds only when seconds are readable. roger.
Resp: 11.40
